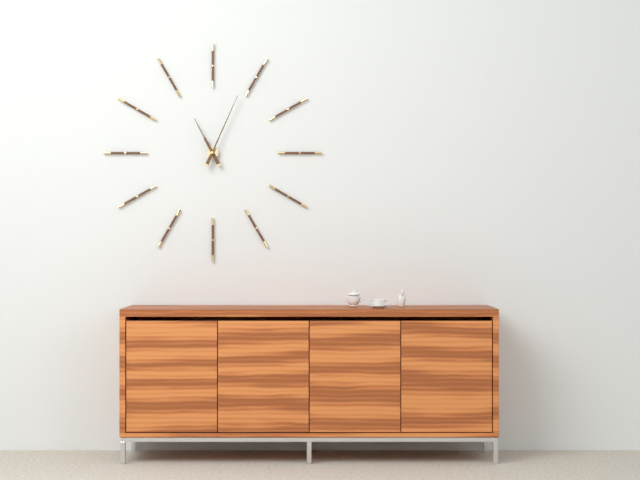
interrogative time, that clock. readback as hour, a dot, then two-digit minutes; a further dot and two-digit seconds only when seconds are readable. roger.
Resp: 11.04
